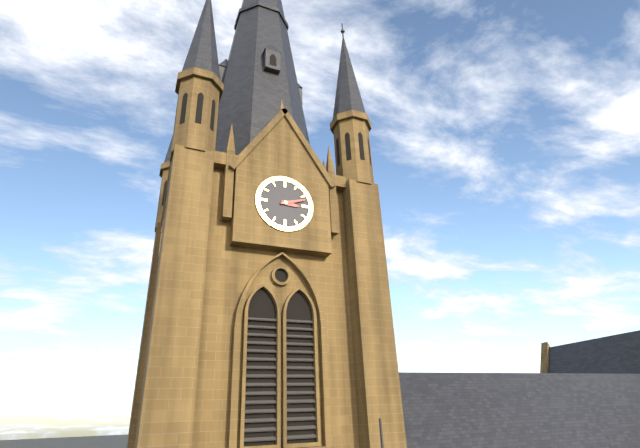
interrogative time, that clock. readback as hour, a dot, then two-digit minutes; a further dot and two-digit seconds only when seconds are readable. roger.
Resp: 3.12
